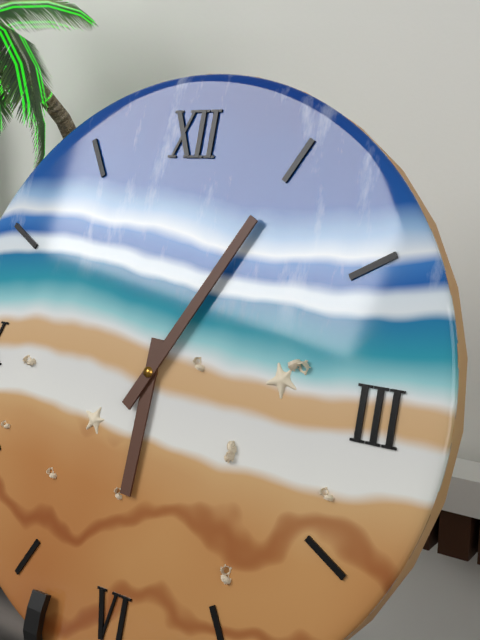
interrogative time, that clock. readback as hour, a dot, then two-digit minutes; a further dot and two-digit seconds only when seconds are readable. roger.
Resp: 6.05
